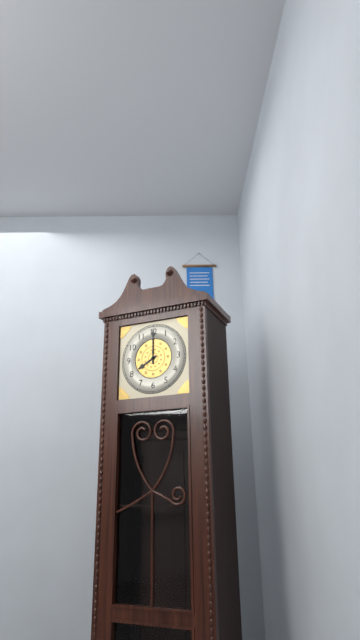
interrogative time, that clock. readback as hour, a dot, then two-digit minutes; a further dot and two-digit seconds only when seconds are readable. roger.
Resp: 8.00
